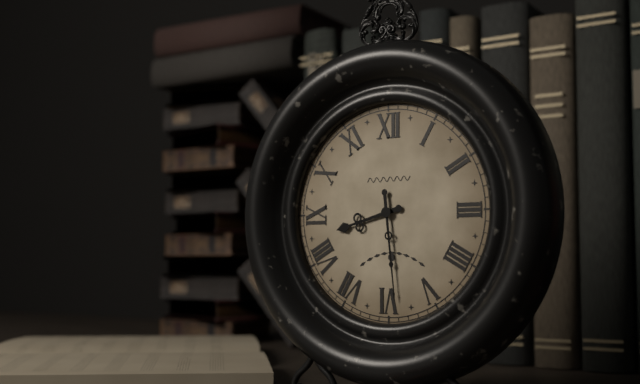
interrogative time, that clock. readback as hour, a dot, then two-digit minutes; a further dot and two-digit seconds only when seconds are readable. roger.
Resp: 8.29
